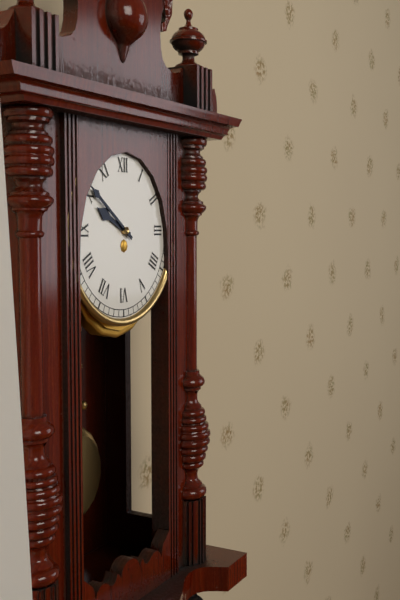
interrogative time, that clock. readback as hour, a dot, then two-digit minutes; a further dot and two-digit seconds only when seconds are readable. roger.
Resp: 9.51
